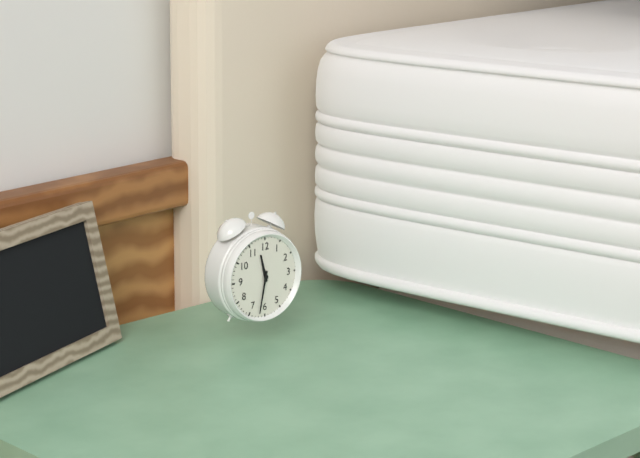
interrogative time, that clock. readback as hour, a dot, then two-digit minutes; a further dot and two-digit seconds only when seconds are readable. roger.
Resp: 11.32
